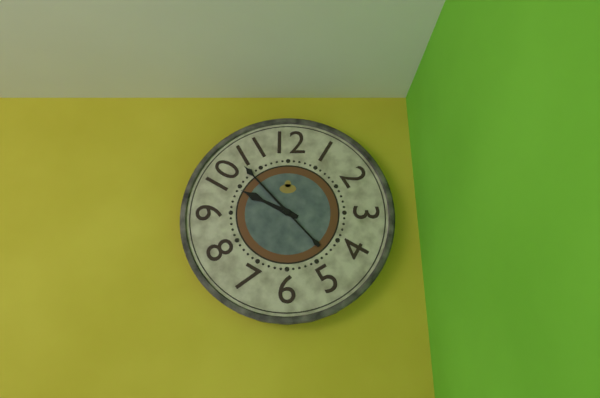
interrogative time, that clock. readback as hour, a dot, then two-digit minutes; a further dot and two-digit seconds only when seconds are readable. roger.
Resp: 9.53
